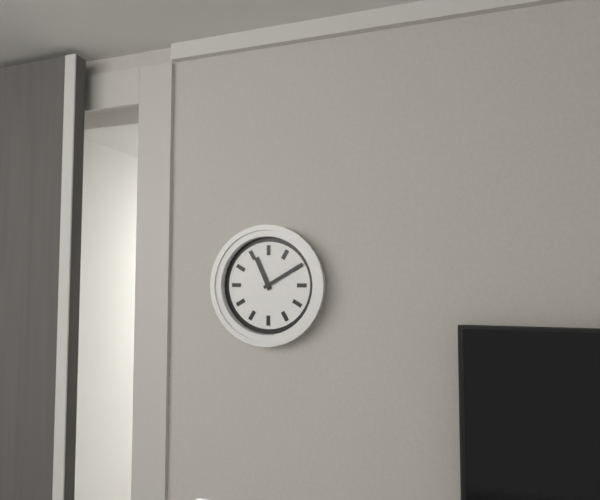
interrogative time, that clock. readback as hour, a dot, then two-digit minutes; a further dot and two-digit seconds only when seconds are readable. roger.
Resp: 11.10
